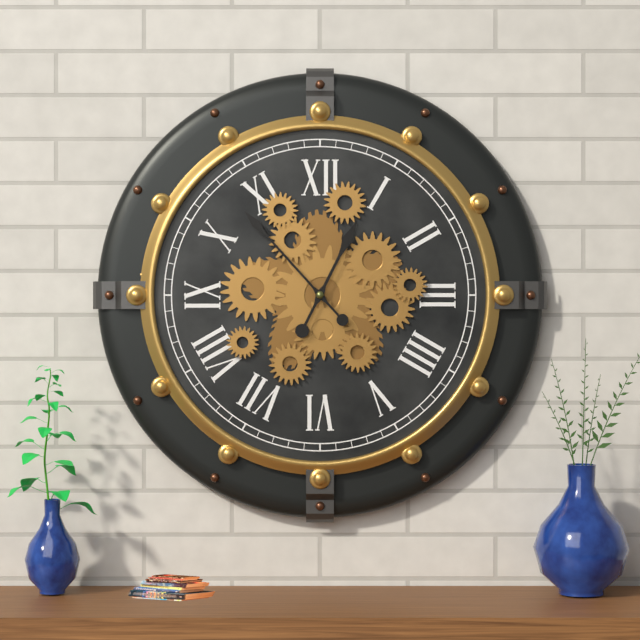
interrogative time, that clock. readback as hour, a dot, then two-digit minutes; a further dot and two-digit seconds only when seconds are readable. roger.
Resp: 12.53
